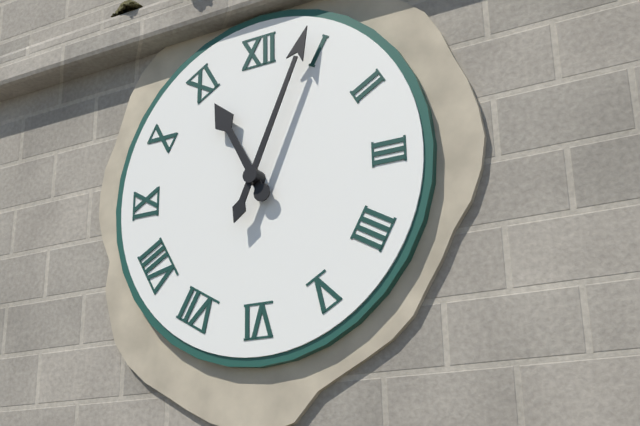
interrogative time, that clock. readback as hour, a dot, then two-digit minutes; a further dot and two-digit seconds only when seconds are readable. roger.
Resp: 11.04
